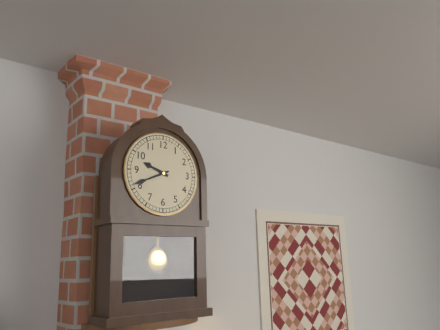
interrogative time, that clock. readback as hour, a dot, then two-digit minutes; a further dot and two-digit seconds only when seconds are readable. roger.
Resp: 9.41
